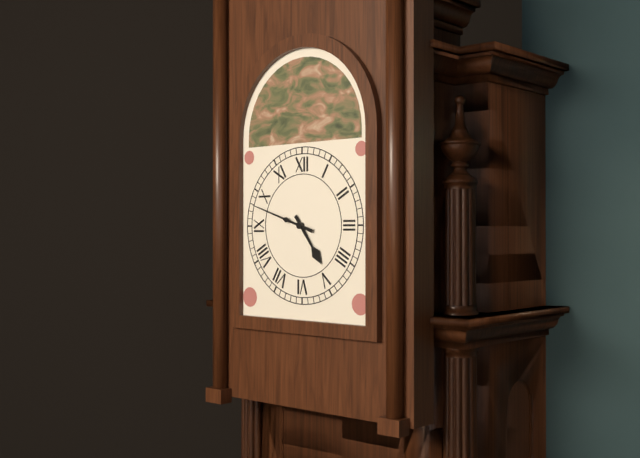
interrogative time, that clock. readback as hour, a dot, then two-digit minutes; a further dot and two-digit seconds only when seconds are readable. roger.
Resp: 4.48
